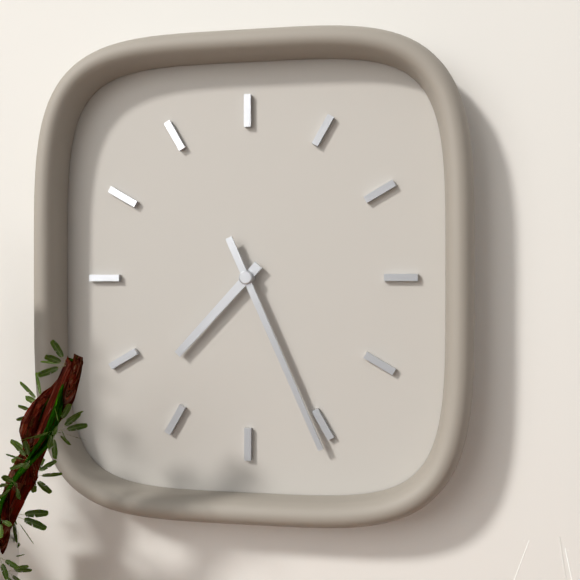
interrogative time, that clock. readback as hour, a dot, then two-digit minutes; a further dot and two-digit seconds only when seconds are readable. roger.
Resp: 7.26
